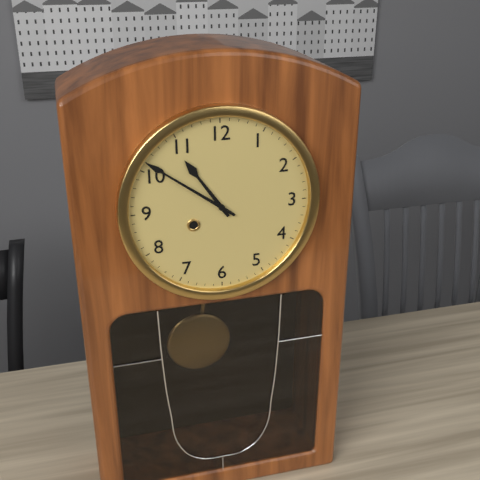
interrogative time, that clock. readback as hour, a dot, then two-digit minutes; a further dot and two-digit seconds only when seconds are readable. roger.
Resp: 10.51
